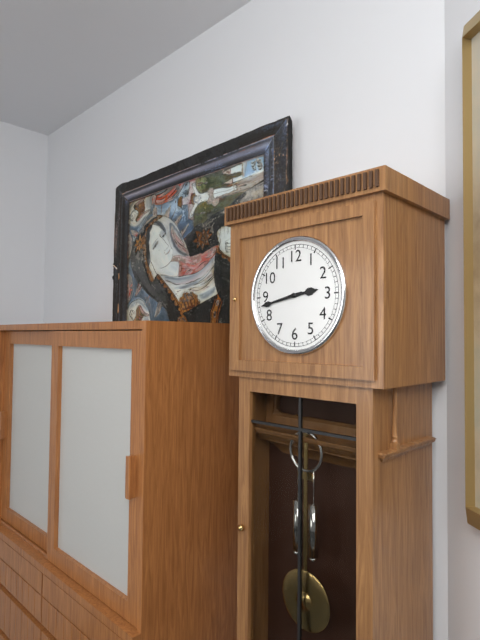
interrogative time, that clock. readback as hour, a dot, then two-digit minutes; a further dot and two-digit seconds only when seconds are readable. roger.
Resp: 2.43
